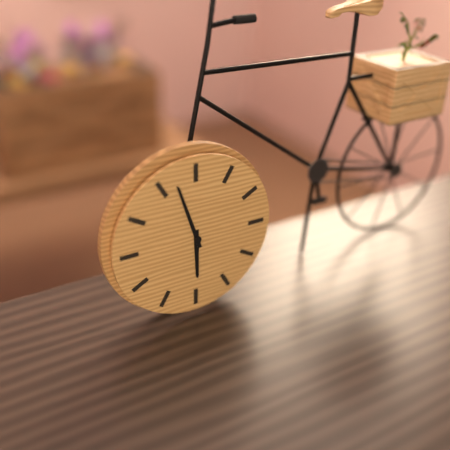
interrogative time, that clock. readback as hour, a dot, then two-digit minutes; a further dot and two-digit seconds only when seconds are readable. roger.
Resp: 5.57
